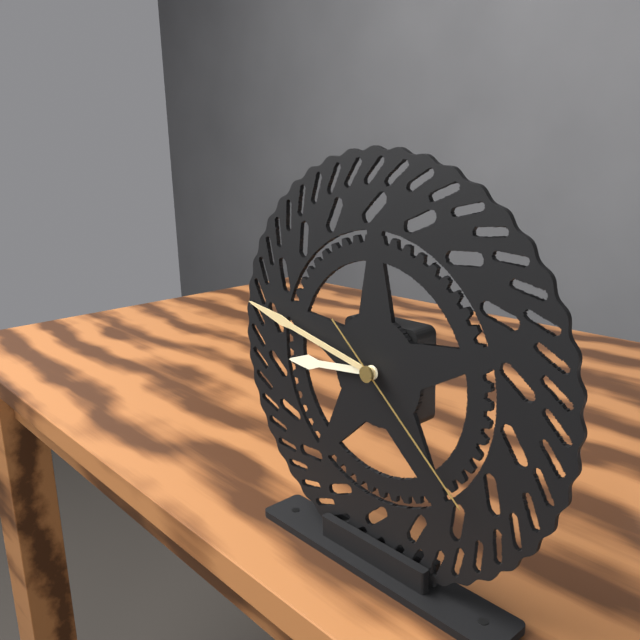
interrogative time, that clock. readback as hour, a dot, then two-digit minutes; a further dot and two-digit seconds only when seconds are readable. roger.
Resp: 8.47.22
